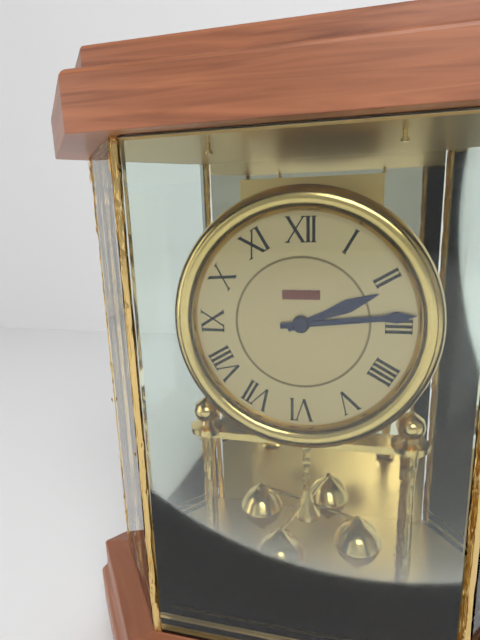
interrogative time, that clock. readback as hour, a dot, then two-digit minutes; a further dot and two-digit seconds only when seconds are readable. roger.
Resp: 2.14
